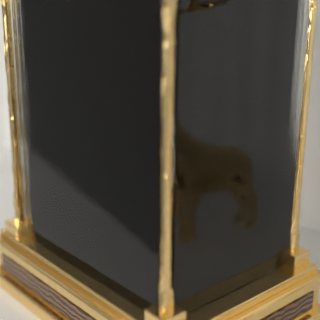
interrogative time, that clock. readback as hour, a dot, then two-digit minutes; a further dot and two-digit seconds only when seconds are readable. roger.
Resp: 6.48
